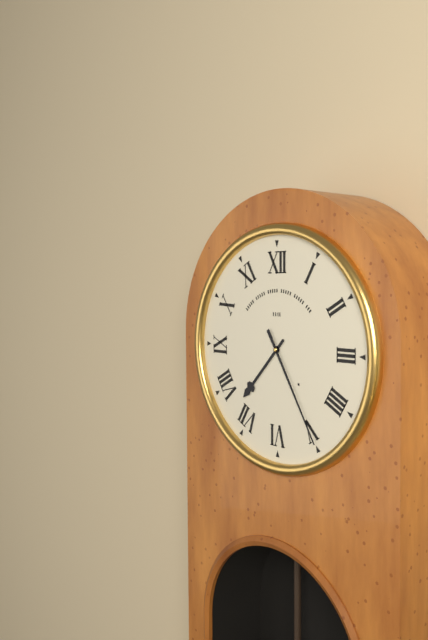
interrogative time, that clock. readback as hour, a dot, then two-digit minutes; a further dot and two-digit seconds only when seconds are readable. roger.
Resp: 7.25
